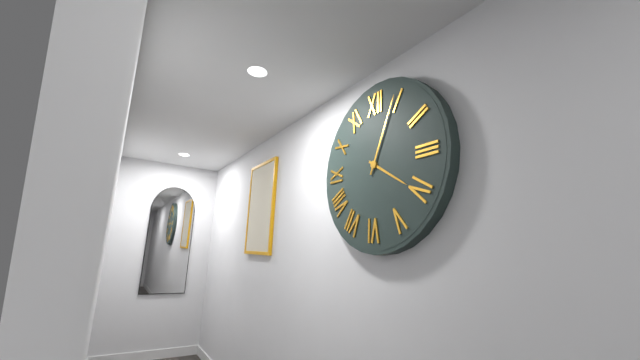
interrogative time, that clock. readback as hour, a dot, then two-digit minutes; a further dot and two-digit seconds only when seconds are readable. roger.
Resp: 4.04
